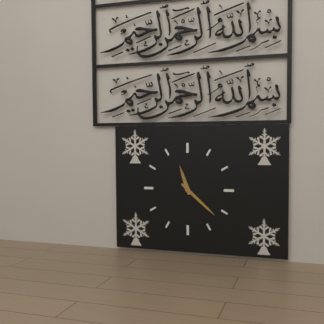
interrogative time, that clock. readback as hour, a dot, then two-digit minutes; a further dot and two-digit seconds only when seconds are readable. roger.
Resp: 11.22
